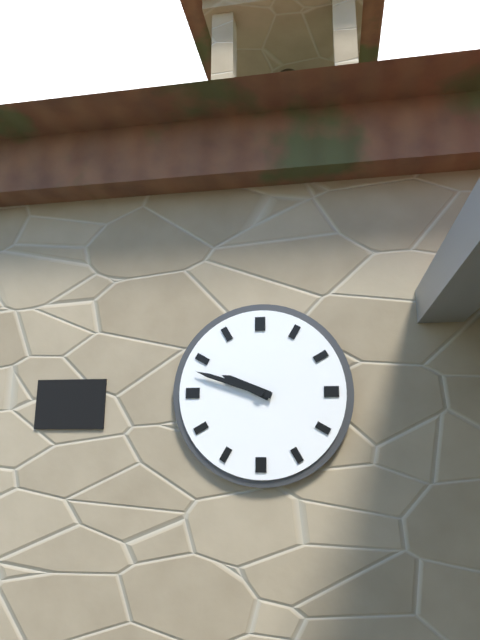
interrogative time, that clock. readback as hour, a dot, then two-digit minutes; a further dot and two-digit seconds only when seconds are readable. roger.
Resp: 9.48
